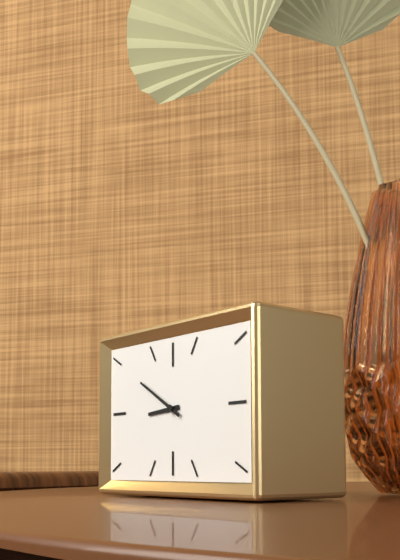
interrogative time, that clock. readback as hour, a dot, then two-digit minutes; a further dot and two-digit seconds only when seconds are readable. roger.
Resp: 8.50
